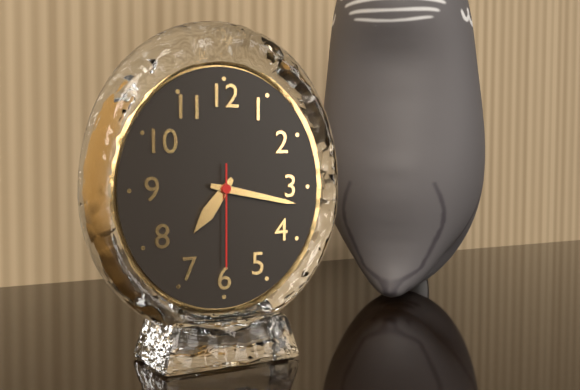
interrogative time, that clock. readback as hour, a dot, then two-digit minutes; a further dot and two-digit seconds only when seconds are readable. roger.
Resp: 7.17.30
